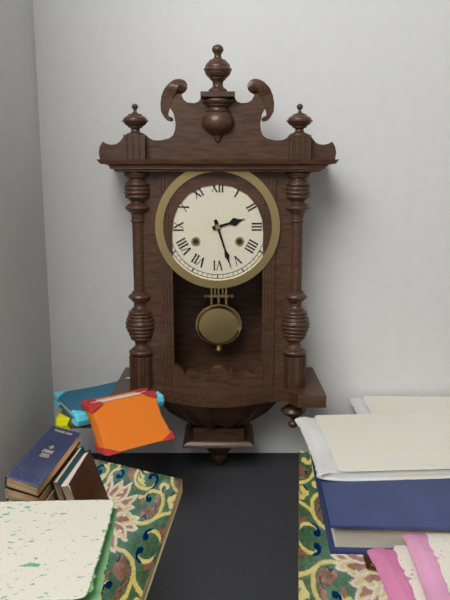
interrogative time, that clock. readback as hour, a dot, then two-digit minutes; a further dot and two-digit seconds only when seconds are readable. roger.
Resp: 2.27
